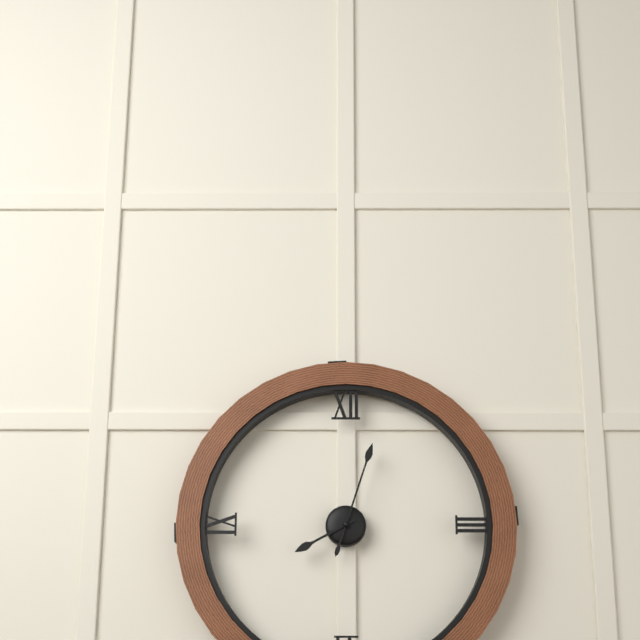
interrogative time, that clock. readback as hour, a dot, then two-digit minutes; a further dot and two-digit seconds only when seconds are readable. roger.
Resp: 8.03
